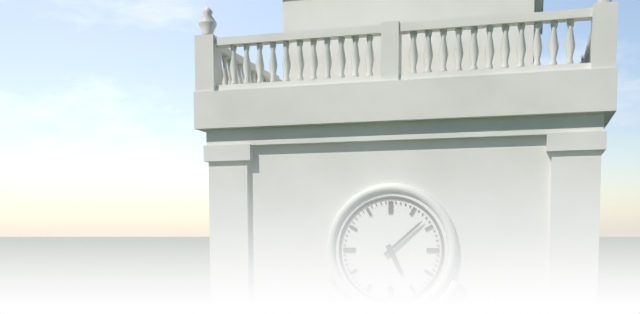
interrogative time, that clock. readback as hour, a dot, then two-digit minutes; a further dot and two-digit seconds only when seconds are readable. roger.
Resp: 5.08
